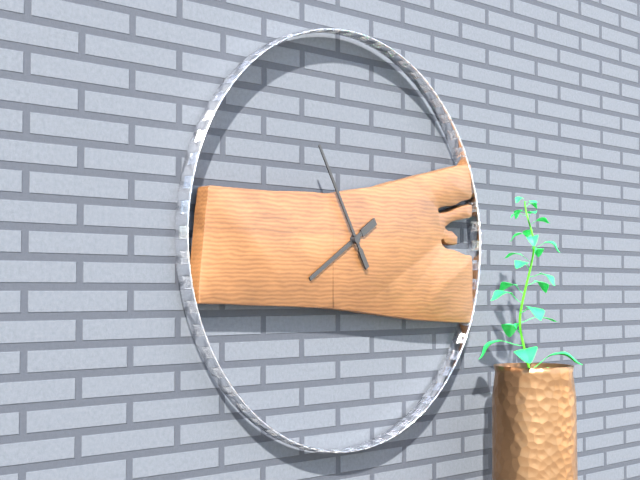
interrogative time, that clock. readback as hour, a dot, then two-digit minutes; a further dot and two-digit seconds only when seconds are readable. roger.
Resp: 7.55
